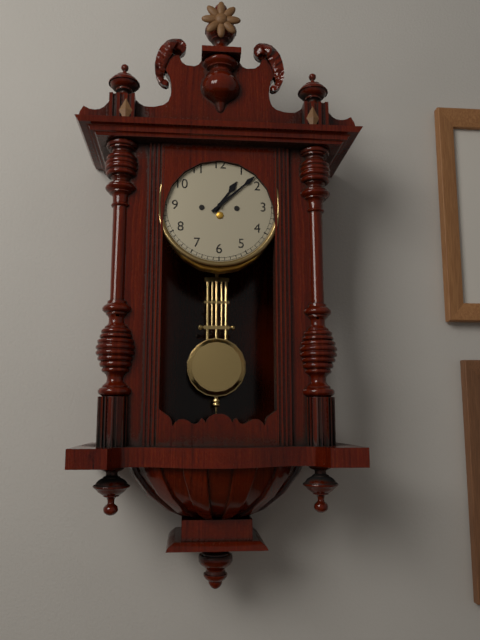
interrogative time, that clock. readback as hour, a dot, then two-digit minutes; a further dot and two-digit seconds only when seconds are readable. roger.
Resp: 1.08
